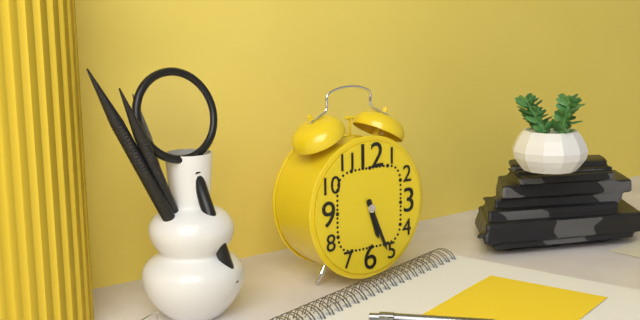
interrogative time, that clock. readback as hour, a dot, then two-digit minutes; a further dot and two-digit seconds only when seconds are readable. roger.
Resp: 5.26
